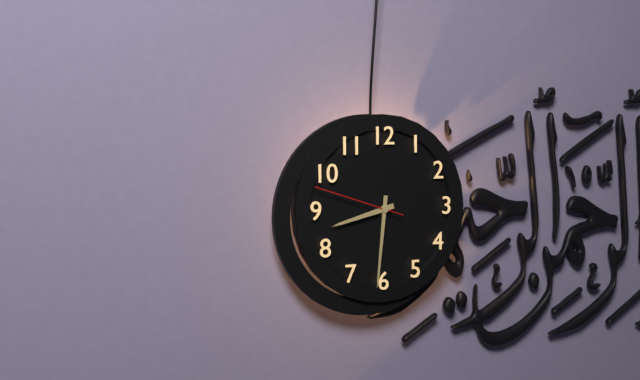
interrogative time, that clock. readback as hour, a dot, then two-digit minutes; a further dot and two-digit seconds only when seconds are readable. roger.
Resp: 8.31.48
